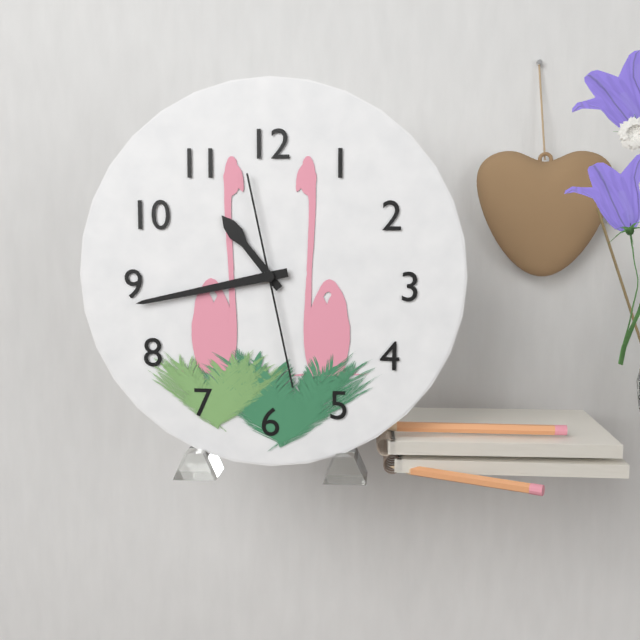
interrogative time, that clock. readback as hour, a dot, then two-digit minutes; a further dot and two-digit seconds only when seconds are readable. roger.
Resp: 10.43.28
